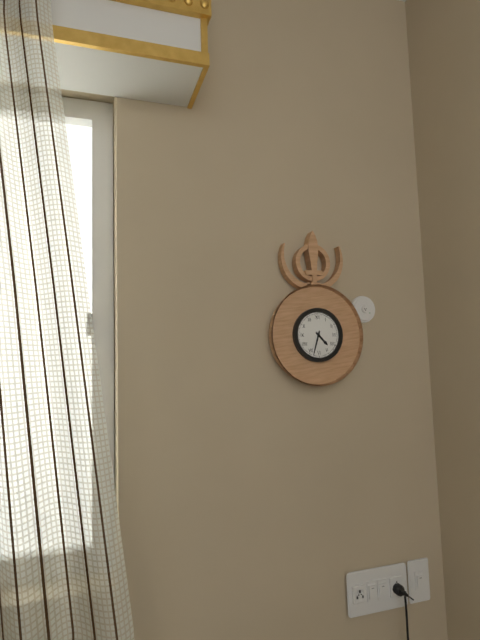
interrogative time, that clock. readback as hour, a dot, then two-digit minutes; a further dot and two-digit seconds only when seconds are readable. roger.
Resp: 4.33
